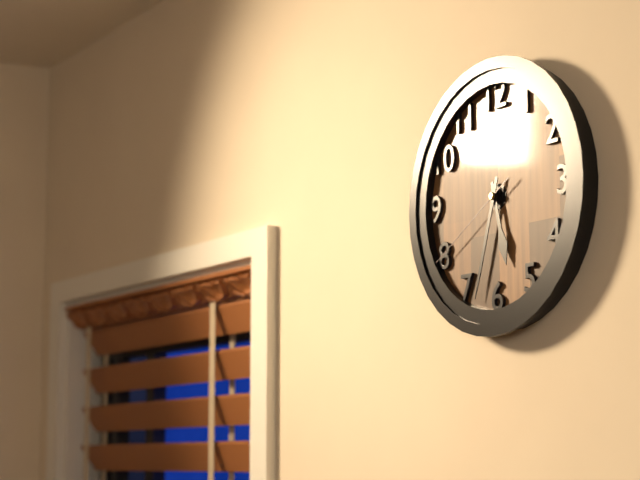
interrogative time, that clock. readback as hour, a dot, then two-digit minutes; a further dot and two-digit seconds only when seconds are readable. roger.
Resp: 5.33.40
